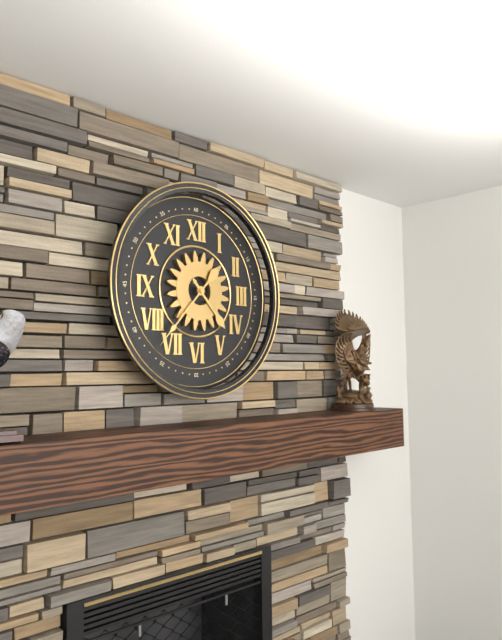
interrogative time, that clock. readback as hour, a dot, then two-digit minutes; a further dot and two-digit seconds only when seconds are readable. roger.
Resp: 4.37
